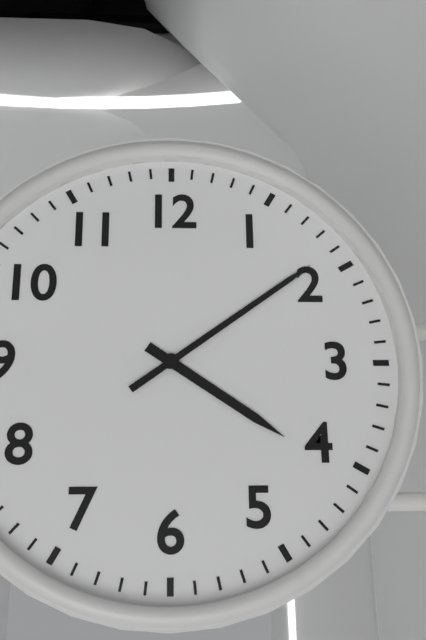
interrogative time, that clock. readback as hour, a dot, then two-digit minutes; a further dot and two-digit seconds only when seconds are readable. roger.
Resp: 4.09
